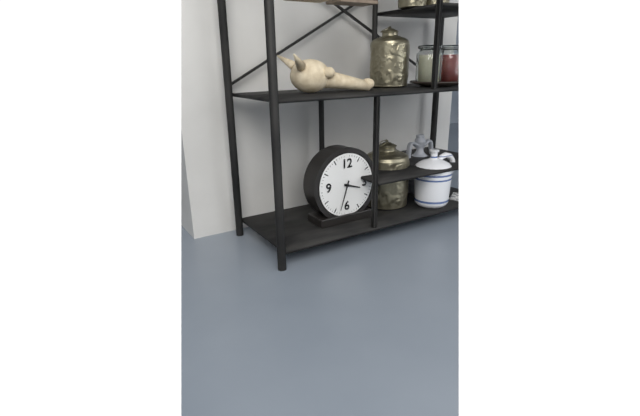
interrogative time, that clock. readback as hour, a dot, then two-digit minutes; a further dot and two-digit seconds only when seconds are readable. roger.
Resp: 3.33
